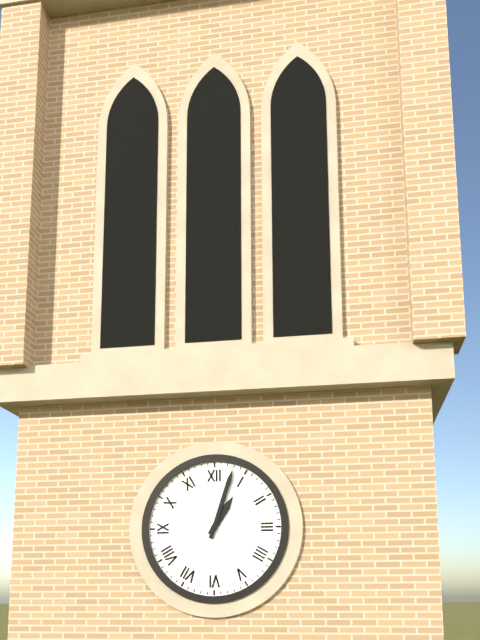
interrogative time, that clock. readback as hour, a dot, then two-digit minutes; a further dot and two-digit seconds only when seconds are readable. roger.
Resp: 1.03
